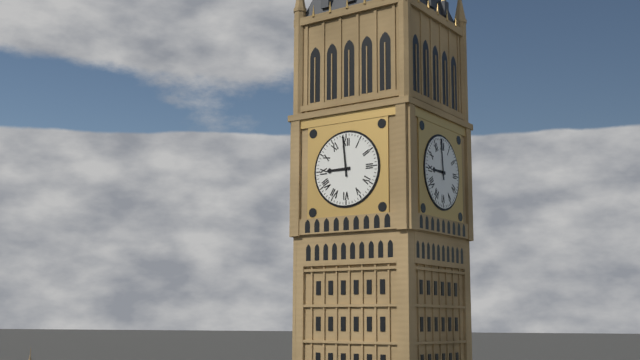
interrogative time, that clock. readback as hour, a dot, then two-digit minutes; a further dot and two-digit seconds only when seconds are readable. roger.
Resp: 8.59
